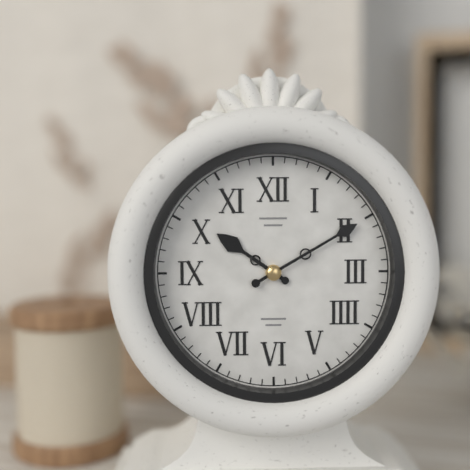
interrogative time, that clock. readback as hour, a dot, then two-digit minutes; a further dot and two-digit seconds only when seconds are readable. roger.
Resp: 10.10
